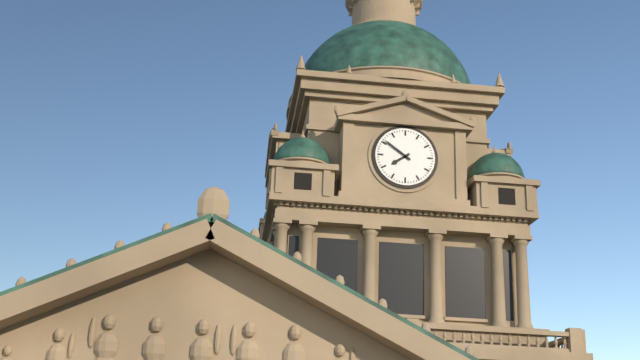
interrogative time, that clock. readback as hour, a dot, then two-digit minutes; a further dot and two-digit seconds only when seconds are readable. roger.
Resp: 7.51
